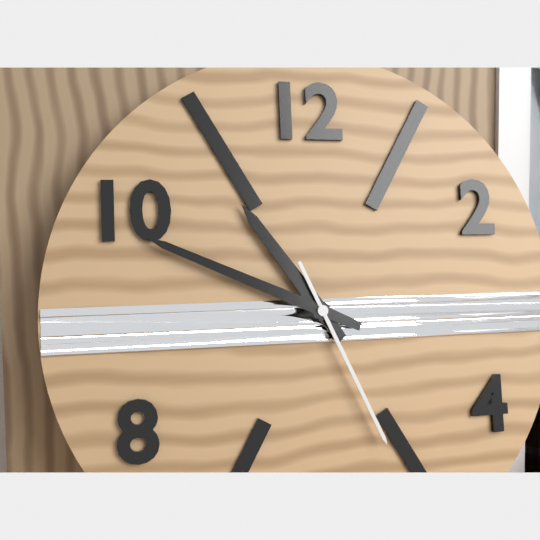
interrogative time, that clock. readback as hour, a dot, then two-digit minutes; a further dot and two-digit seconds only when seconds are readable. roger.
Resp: 10.49.26
